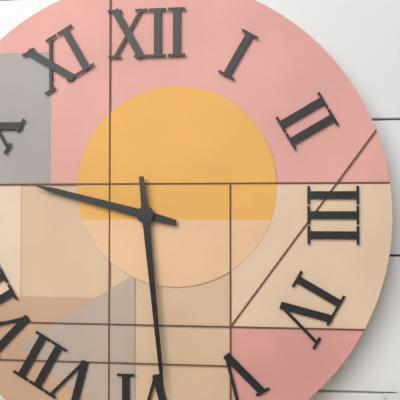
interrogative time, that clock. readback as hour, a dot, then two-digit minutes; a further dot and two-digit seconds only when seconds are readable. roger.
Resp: 9.29
